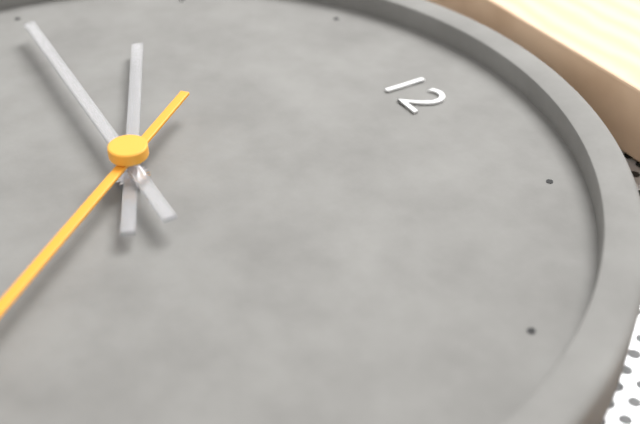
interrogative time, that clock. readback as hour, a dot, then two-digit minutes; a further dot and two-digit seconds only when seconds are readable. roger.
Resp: 9.45
